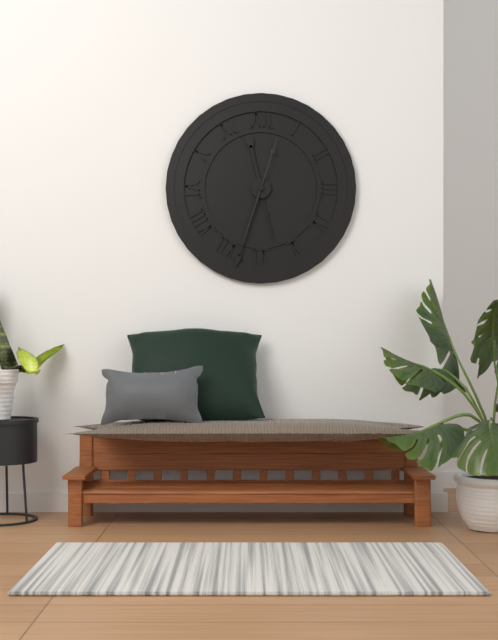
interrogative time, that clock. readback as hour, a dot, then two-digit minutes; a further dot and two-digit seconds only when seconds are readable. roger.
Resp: 11.33.33
